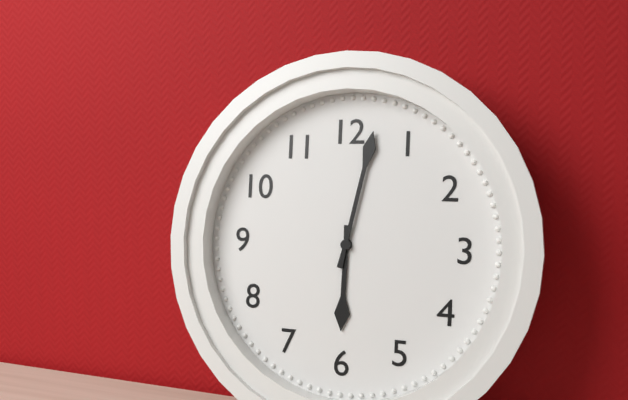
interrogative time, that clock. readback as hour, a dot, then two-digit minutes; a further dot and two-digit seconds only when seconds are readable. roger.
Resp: 6.02
